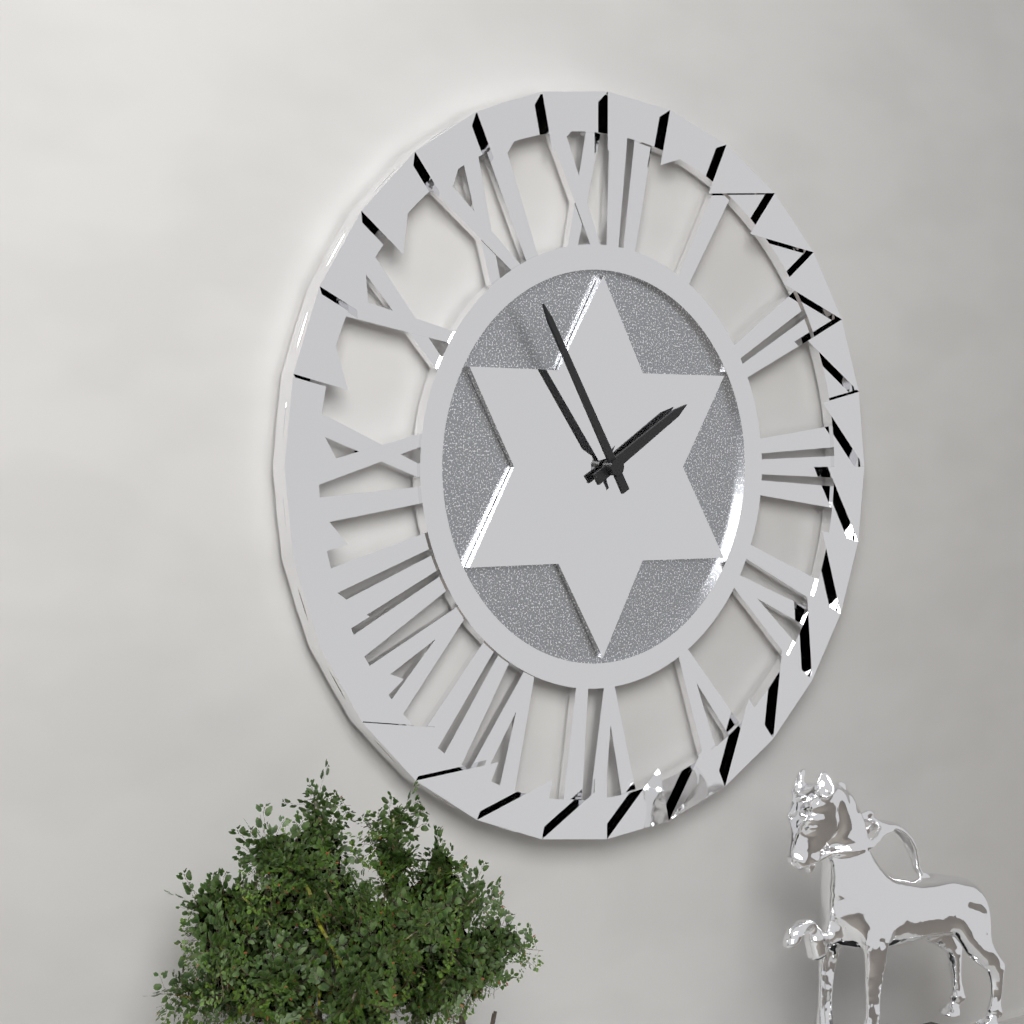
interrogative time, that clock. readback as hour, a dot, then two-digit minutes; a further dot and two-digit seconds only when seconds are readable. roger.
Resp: 1.55
